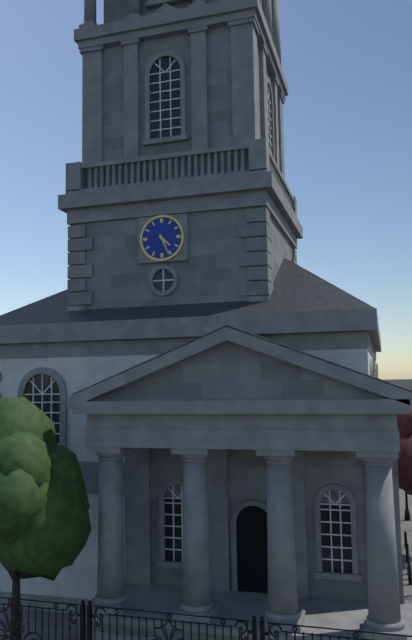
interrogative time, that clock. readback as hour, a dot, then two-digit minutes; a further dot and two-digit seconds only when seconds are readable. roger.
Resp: 4.26
